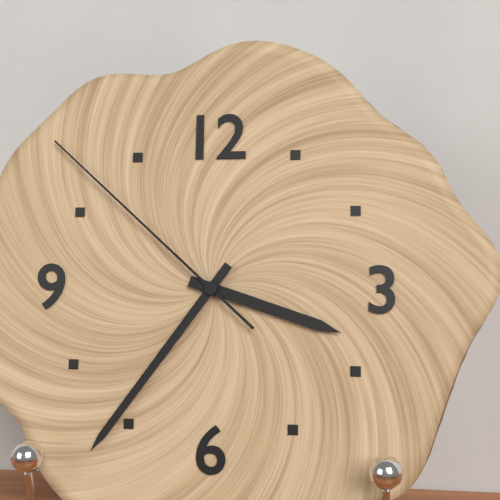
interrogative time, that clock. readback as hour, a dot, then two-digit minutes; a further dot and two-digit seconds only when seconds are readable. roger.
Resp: 3.36.52
